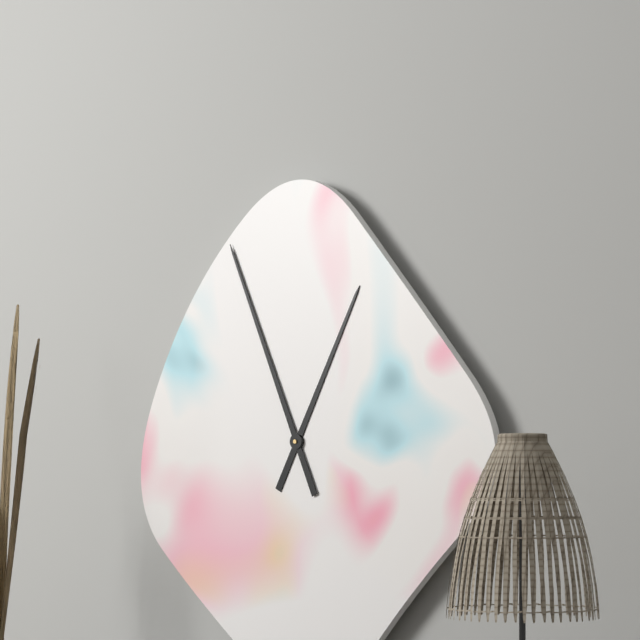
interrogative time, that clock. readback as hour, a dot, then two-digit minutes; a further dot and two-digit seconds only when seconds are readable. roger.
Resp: 12.56
